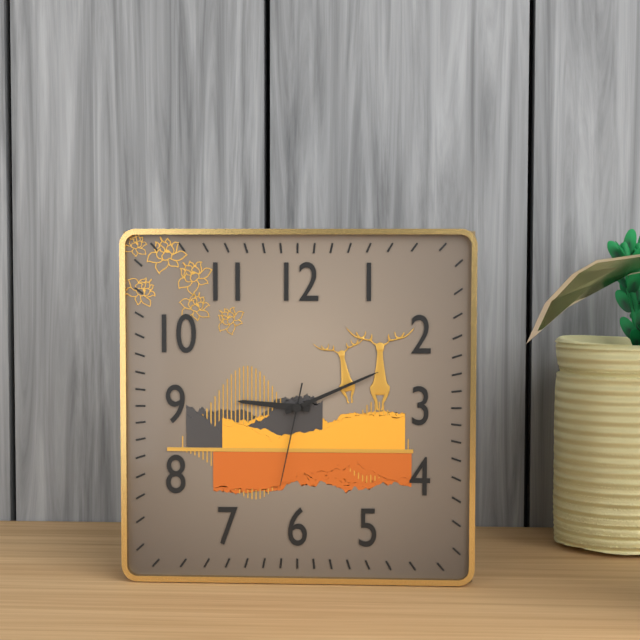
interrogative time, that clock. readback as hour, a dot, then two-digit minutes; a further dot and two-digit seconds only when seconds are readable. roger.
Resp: 9.11.32
